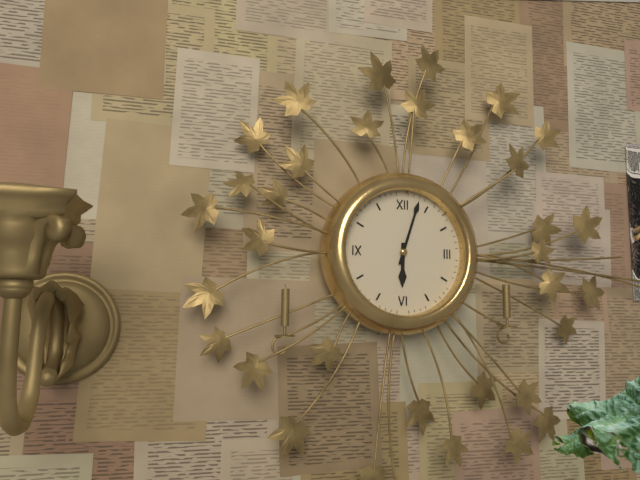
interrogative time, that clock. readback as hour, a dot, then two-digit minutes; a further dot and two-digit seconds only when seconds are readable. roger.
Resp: 6.03
